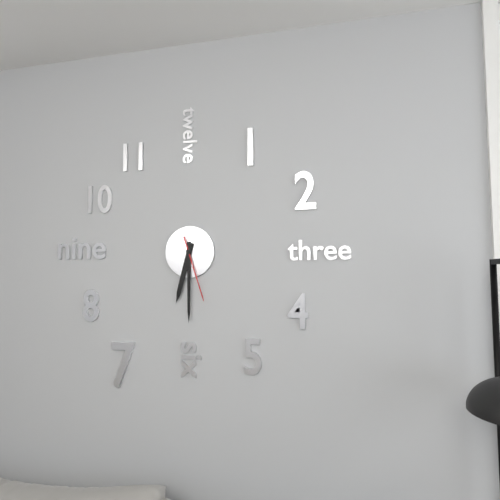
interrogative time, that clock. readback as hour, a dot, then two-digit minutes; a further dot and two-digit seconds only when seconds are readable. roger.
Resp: 6.30.27
